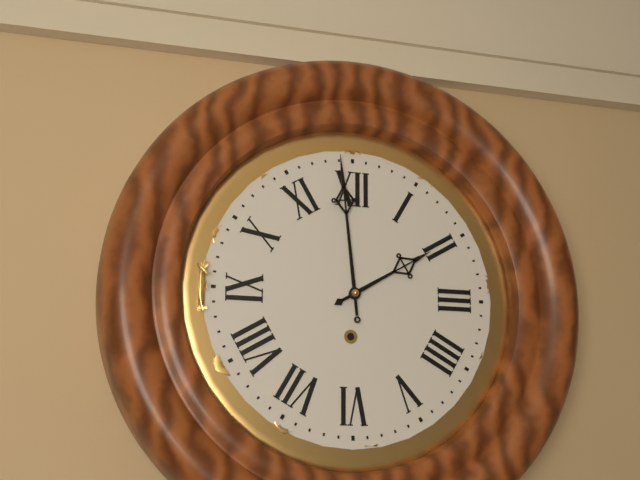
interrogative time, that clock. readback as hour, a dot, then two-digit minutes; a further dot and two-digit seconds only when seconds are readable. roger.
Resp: 1.59
